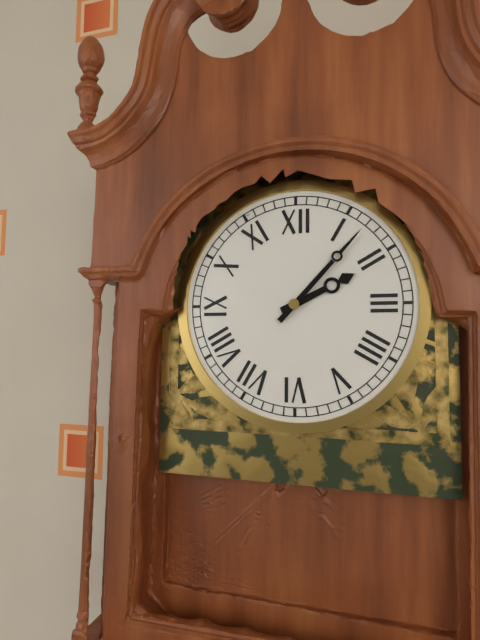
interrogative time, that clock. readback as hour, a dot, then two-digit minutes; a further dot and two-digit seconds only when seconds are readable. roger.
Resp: 2.07
